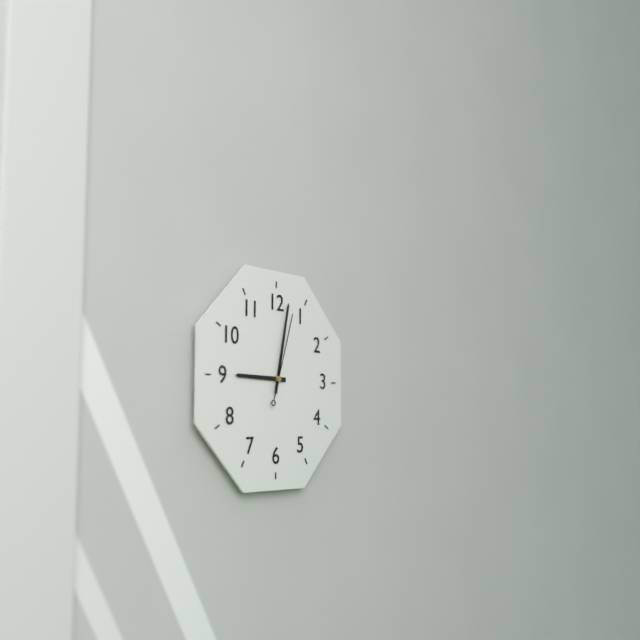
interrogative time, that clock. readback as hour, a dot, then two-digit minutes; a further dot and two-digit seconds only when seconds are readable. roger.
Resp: 9.02.03
